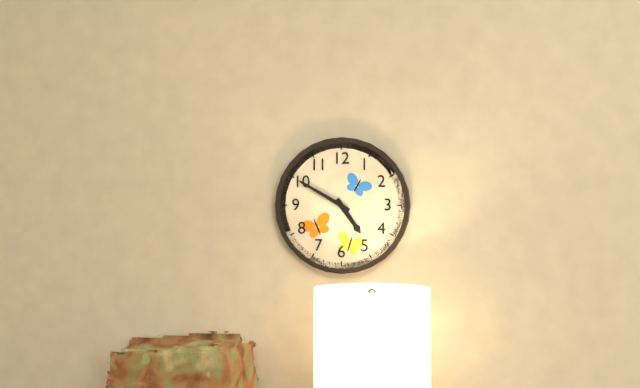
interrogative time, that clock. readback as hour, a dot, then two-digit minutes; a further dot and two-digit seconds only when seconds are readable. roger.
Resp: 4.50
